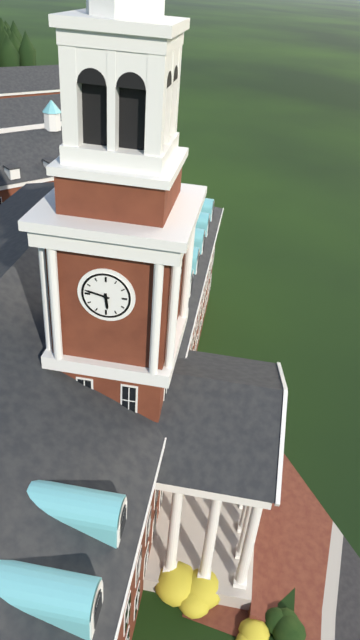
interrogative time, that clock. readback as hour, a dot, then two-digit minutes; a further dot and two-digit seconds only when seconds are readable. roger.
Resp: 5.47
